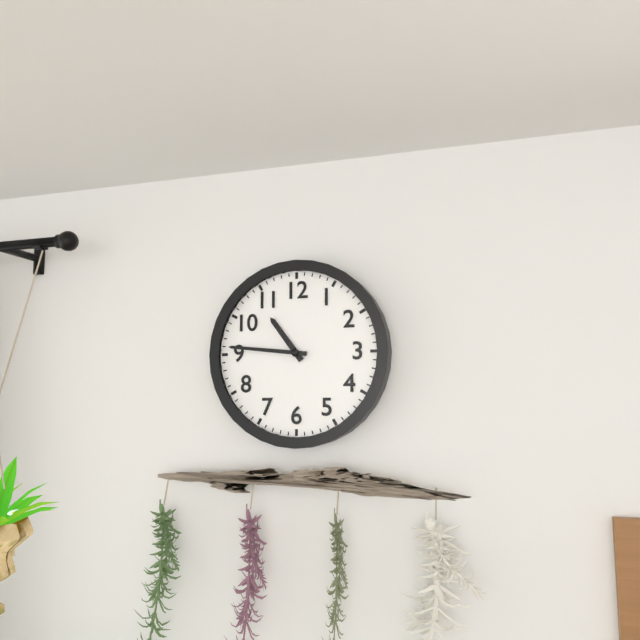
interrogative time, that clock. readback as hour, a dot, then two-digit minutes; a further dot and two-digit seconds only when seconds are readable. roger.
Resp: 10.46
